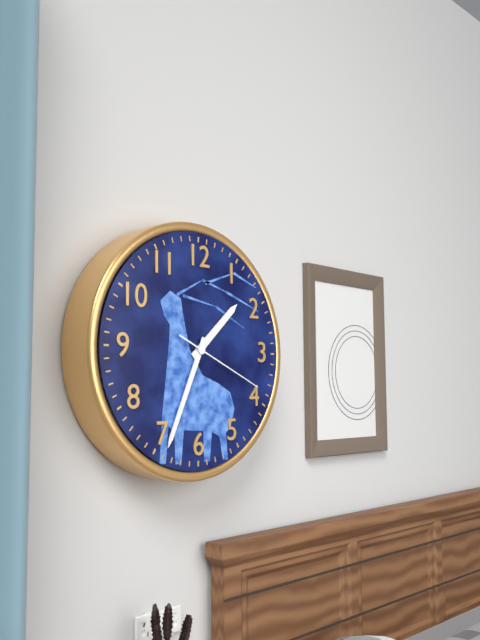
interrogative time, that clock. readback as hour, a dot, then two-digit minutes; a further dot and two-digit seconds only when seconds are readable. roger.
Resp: 1.34.19
